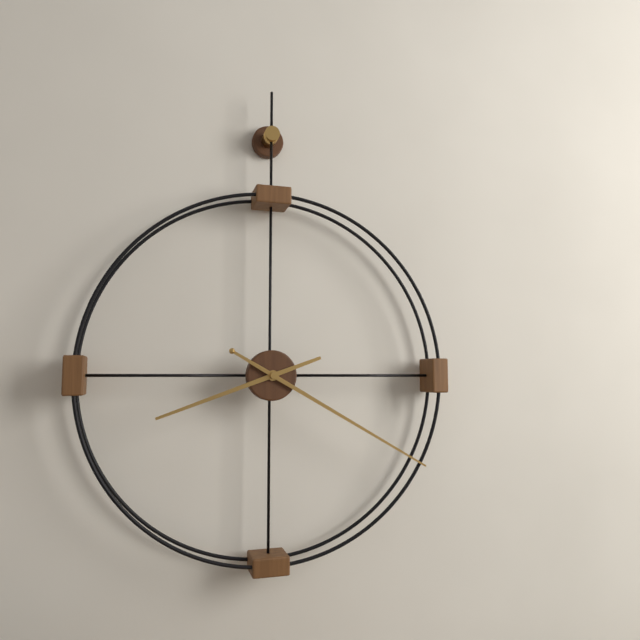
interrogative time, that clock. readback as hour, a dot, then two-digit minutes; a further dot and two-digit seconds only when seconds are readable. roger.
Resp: 8.20
